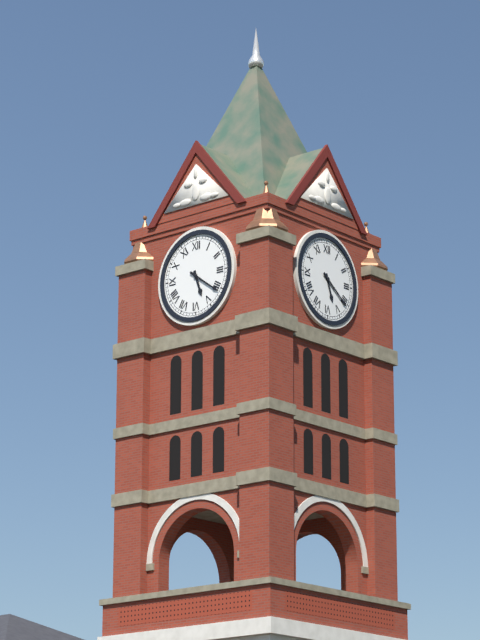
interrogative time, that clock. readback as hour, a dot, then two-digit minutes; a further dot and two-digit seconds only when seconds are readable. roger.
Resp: 5.21
